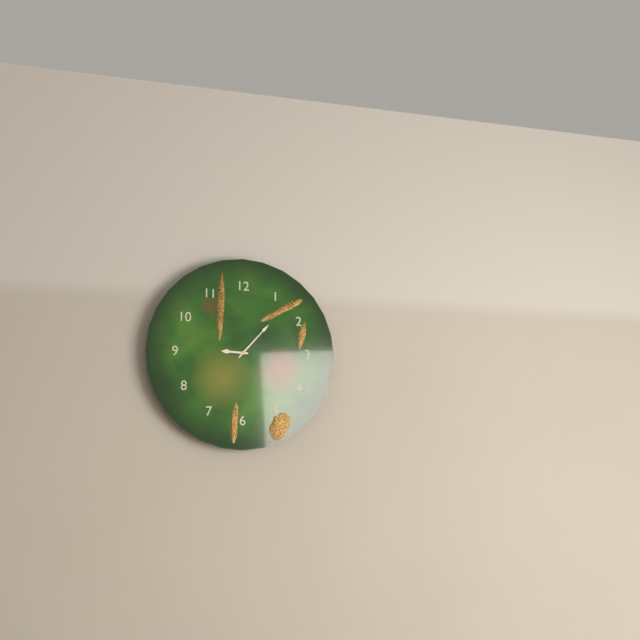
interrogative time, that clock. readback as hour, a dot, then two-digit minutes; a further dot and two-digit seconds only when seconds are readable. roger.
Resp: 9.07
